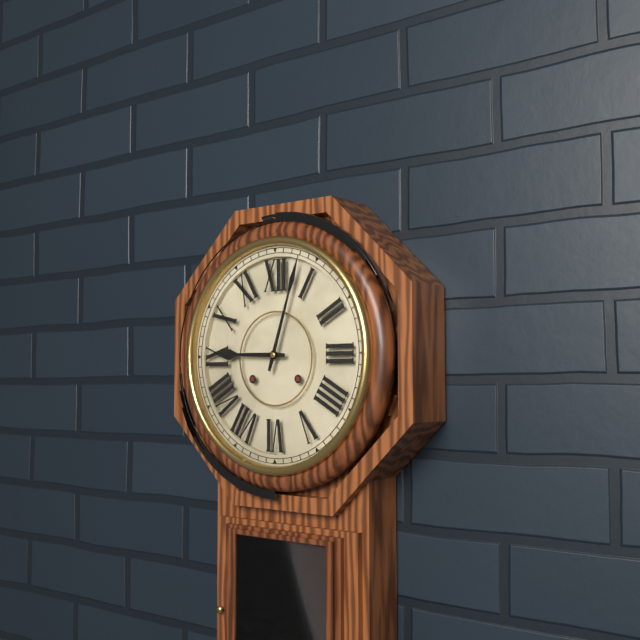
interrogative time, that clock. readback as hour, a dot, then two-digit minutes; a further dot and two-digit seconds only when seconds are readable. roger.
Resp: 9.03
